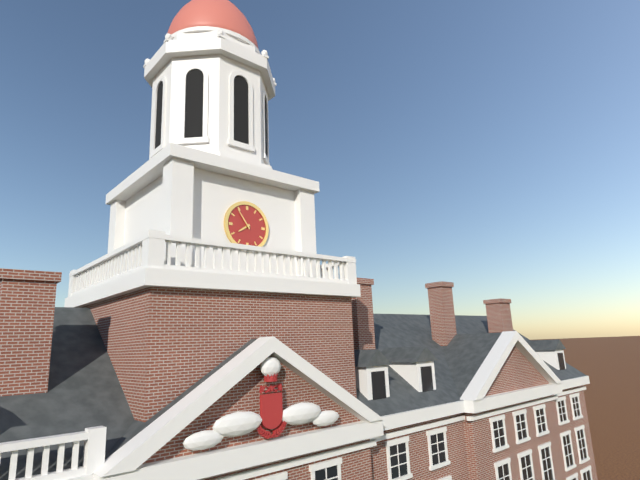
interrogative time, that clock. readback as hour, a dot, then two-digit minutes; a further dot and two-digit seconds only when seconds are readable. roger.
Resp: 7.54
